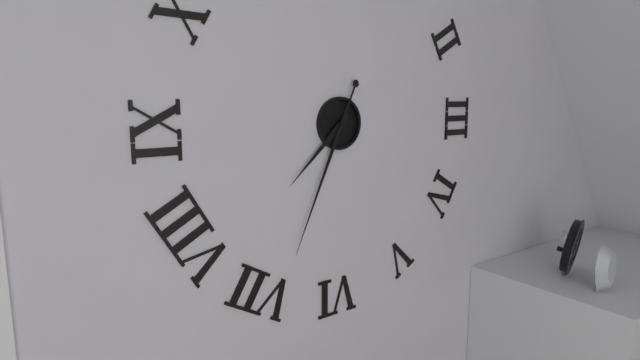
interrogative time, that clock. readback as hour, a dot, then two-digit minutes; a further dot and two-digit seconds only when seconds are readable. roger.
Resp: 7.34
